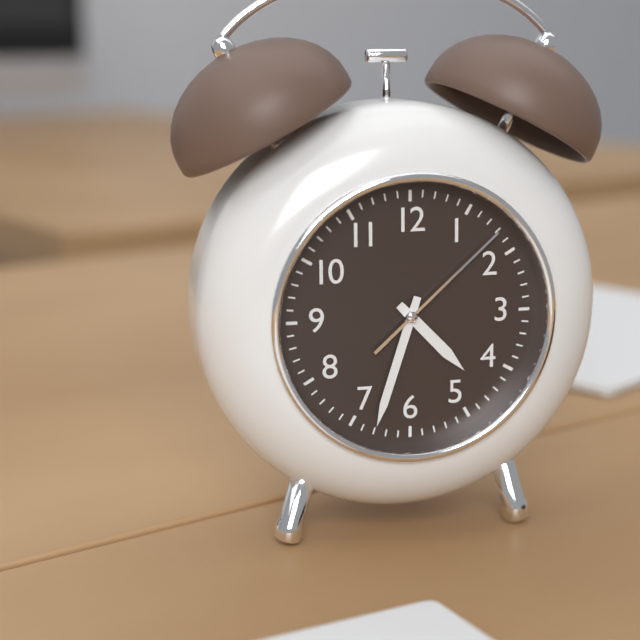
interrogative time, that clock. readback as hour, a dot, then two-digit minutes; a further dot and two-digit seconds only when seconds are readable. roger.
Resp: 4.33.08
